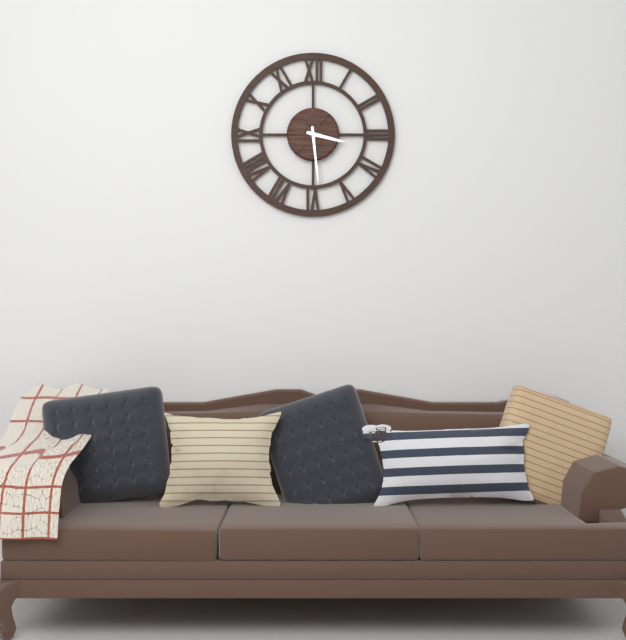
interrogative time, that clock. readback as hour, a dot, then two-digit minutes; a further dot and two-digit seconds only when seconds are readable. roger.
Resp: 3.29
